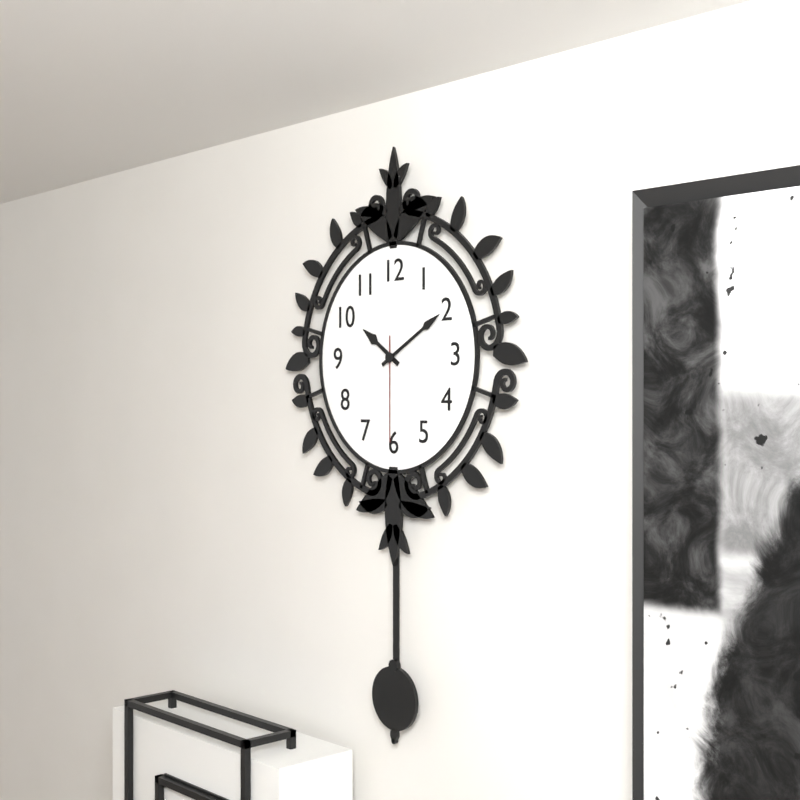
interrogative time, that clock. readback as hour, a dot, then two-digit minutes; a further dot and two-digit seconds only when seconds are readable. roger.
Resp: 10.10.30
